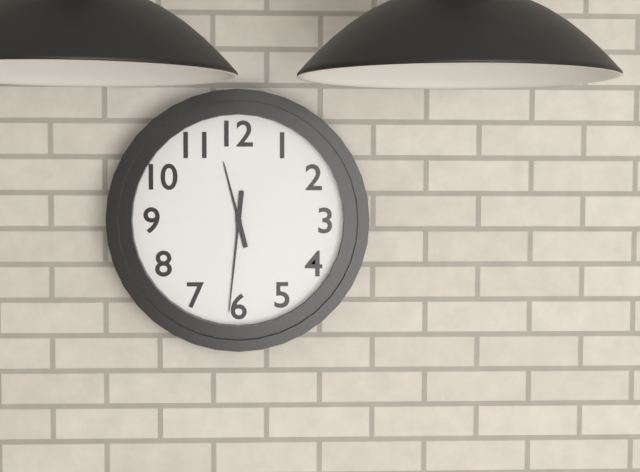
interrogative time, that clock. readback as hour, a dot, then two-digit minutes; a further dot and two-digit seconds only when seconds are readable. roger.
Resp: 11.31
